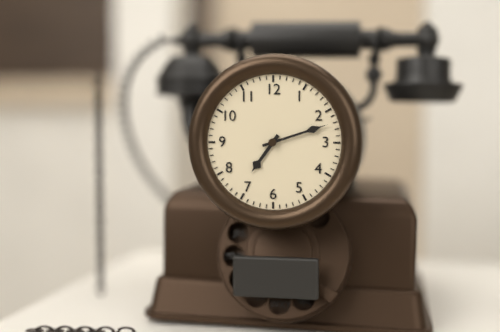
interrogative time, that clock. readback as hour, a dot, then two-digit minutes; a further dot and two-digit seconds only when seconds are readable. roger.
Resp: 7.12
